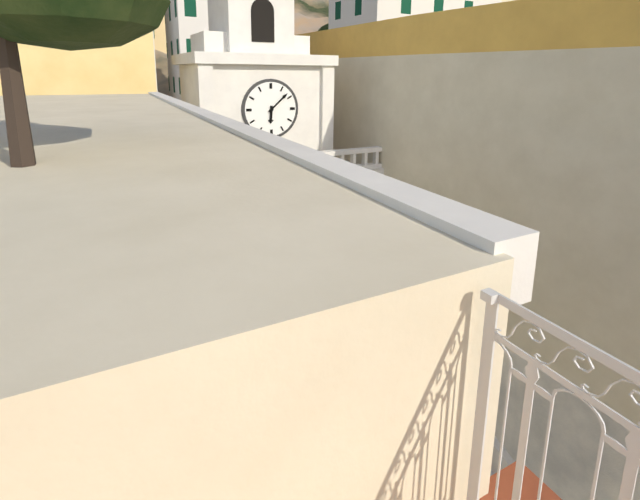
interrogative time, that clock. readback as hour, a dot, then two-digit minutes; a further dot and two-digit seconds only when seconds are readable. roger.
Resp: 6.08
